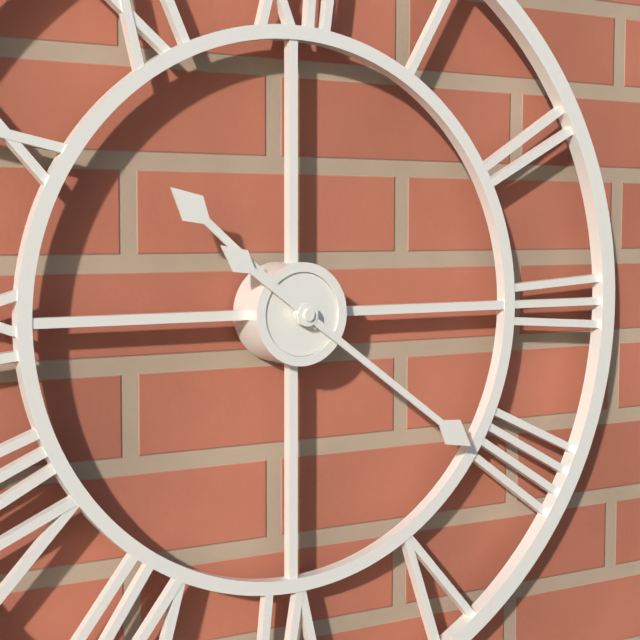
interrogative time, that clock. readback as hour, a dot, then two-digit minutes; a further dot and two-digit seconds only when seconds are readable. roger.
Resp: 10.21
